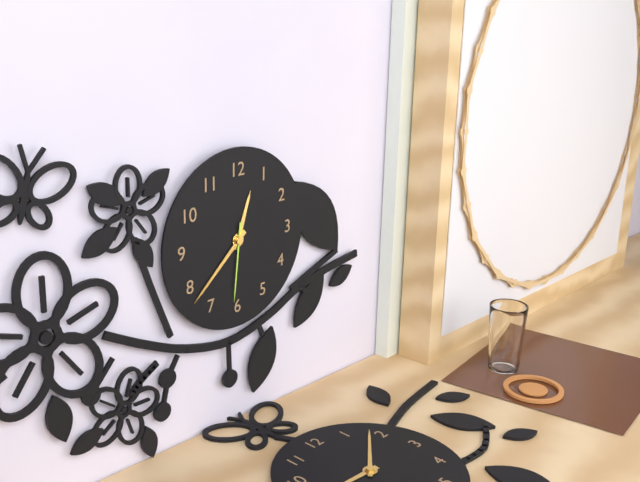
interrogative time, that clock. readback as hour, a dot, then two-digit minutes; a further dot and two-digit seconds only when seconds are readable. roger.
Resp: 12.38.31
